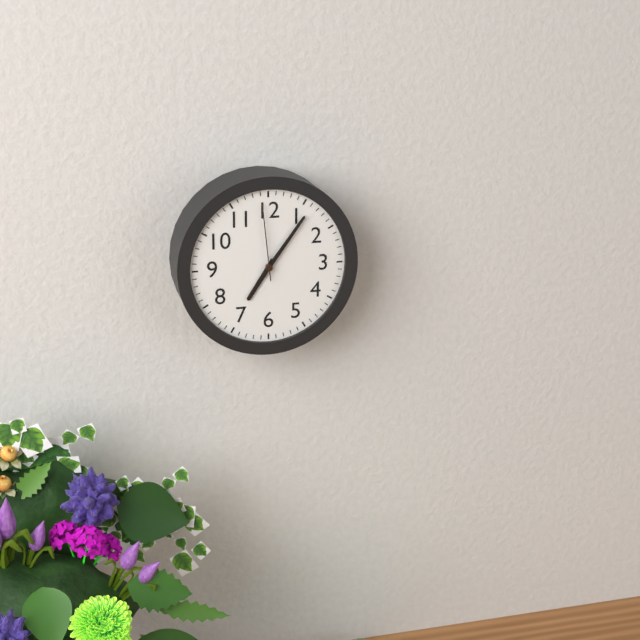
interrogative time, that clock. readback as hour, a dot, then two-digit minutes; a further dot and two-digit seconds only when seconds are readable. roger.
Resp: 7.06.59
